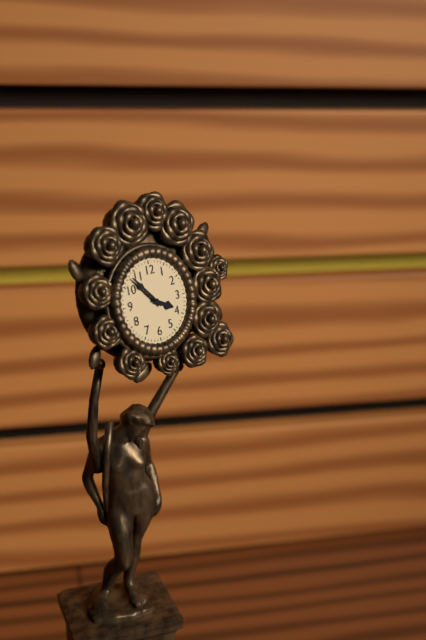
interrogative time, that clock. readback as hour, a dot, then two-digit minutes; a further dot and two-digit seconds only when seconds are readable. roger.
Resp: 3.53
